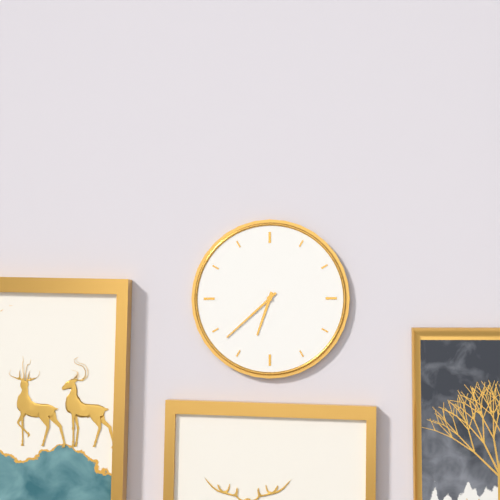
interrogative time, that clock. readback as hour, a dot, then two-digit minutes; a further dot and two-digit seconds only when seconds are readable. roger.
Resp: 6.38
